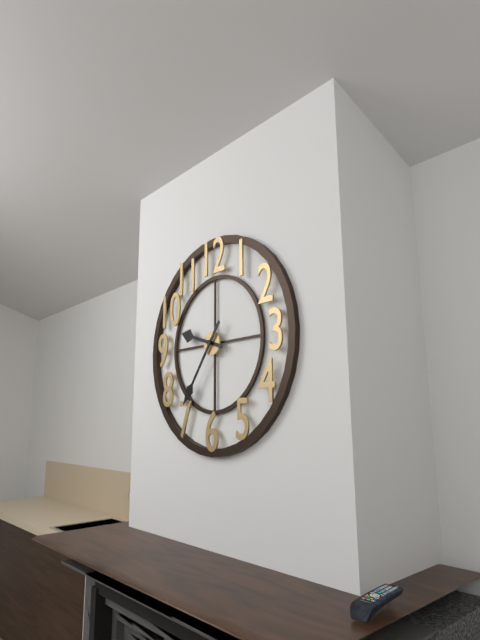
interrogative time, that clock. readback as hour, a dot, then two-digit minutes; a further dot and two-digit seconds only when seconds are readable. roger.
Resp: 9.36
